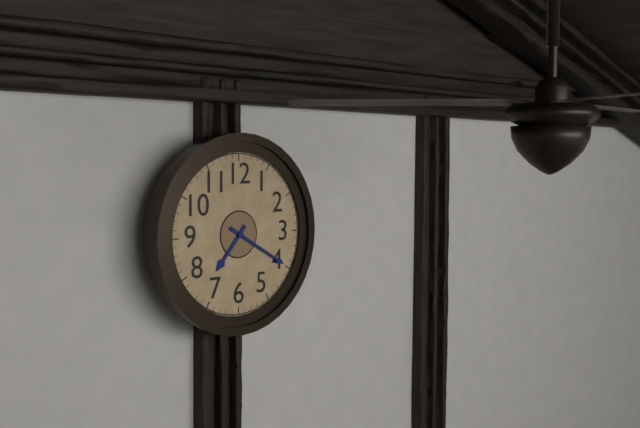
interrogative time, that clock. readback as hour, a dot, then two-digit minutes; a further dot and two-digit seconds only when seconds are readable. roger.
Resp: 7.20
